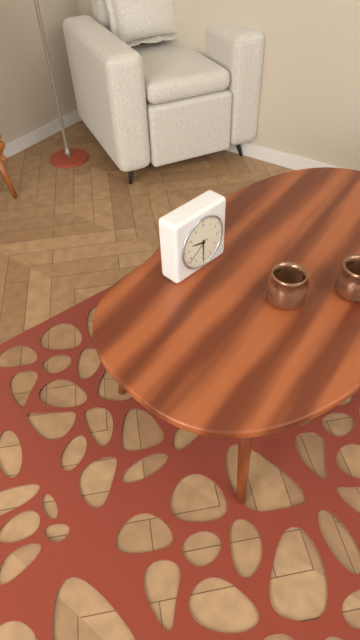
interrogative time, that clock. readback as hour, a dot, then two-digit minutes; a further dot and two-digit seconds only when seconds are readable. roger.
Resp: 9.30
